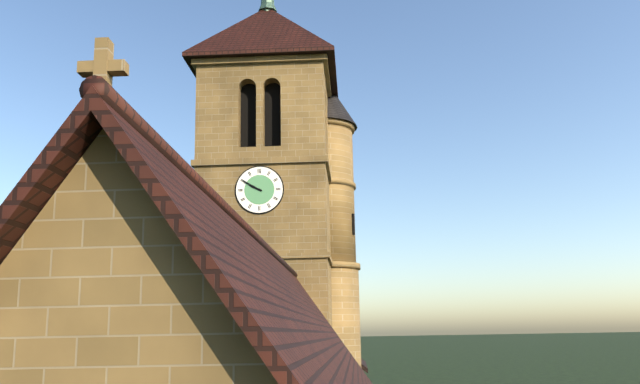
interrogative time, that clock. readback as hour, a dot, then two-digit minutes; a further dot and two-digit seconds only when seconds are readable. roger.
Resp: 9.50
